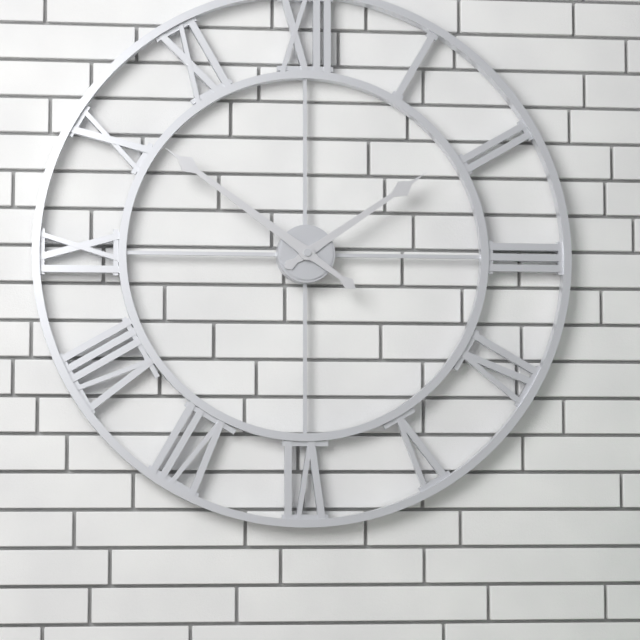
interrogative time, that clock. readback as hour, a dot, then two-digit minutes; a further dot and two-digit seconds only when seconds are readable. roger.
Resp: 1.51
